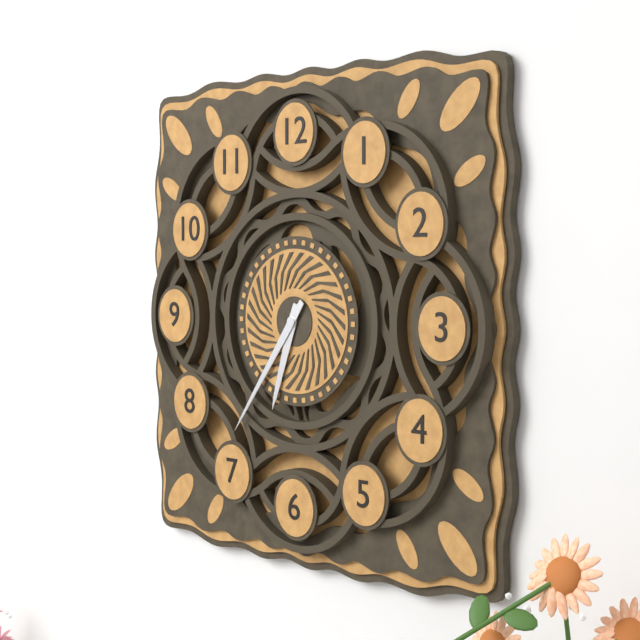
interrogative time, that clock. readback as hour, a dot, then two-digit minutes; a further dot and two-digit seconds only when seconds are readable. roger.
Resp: 6.36
